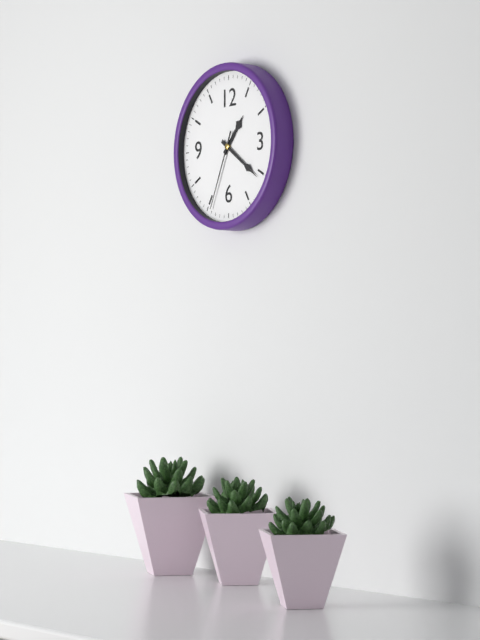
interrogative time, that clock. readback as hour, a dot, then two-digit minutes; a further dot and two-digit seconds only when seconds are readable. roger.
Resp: 1.21.34
